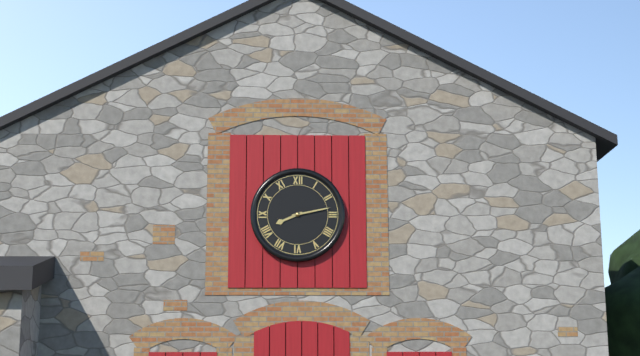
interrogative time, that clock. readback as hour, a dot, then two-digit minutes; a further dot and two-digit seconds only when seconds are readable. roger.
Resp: 8.13
